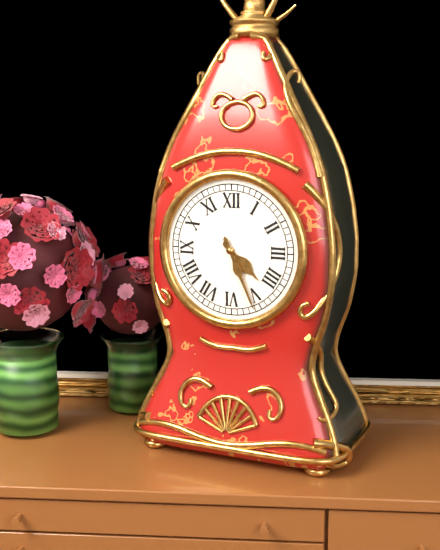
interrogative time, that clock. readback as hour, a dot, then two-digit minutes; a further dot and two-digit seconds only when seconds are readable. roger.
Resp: 4.26
